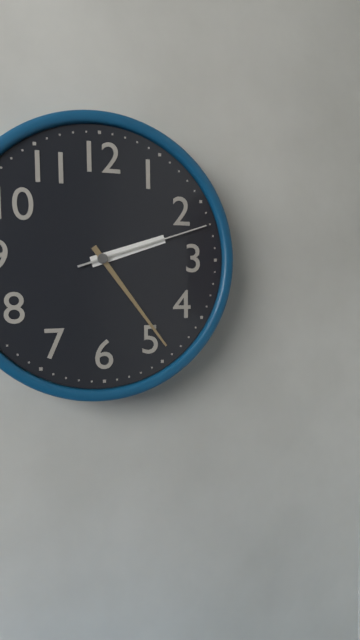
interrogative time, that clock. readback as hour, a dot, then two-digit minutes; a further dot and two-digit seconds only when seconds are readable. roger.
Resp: 2.24.12
